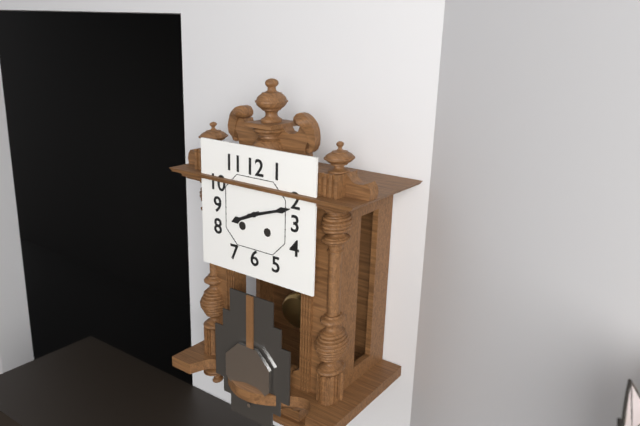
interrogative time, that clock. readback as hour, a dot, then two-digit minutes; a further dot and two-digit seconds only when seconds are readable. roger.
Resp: 8.12
